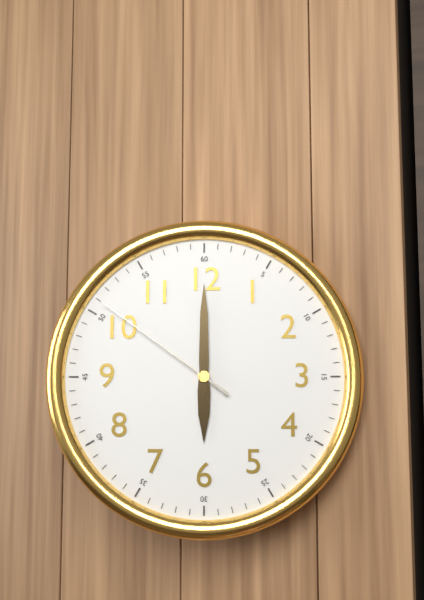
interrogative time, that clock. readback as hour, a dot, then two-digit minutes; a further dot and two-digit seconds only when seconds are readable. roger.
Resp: 6.00.51
